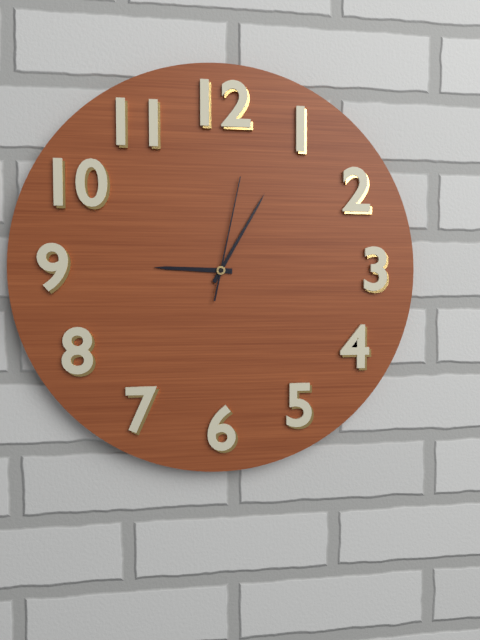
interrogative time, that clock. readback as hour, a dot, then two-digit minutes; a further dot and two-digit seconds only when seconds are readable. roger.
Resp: 9.05.02
